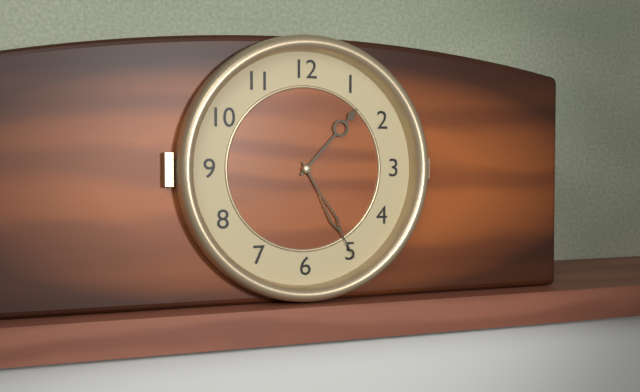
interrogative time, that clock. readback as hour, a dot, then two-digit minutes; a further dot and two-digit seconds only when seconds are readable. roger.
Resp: 1.25
